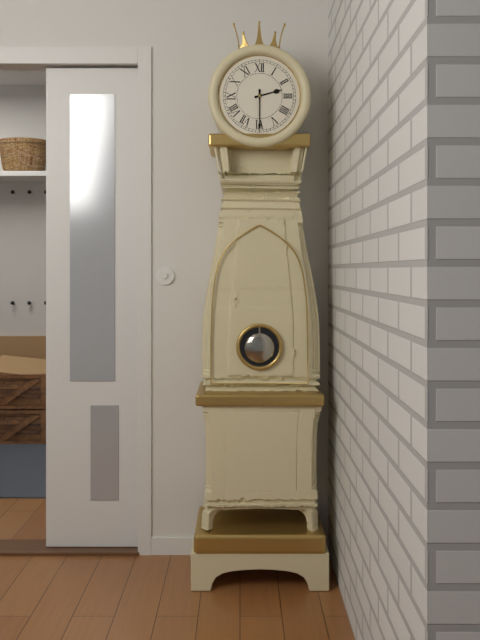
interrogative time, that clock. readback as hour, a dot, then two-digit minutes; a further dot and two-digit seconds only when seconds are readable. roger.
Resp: 2.30
